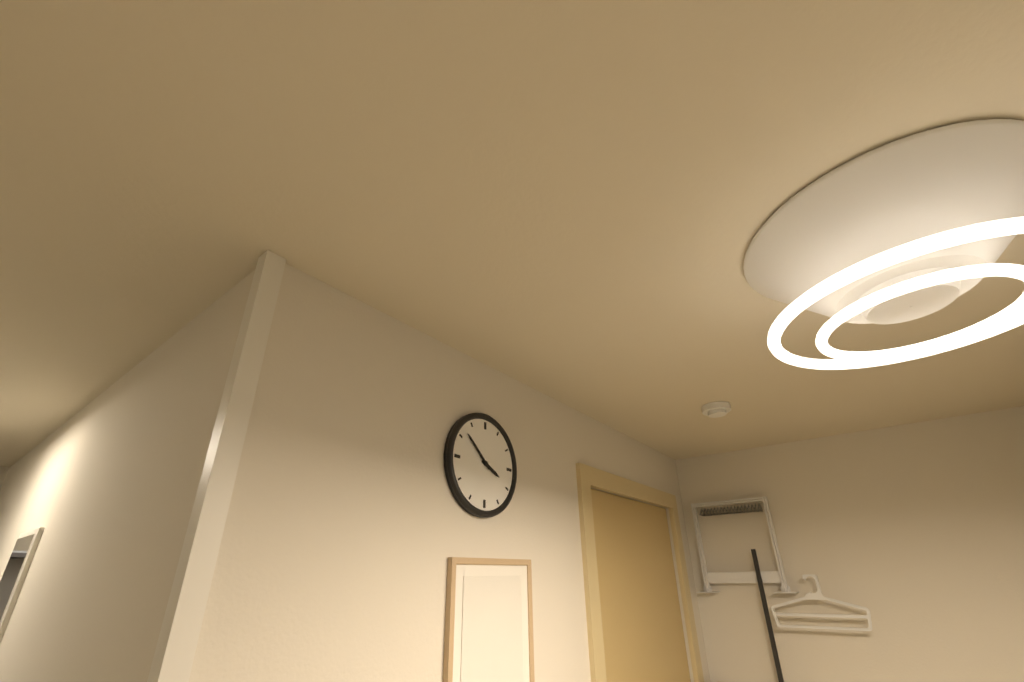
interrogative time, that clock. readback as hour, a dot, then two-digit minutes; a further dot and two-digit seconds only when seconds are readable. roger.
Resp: 3.52
